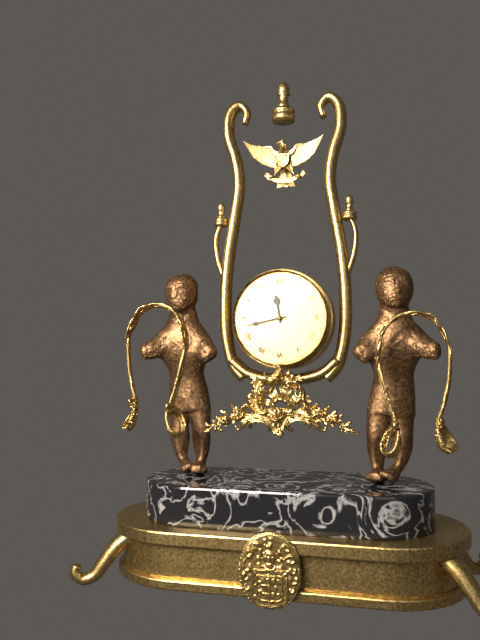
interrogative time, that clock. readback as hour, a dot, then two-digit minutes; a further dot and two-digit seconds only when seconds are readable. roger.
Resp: 11.43
